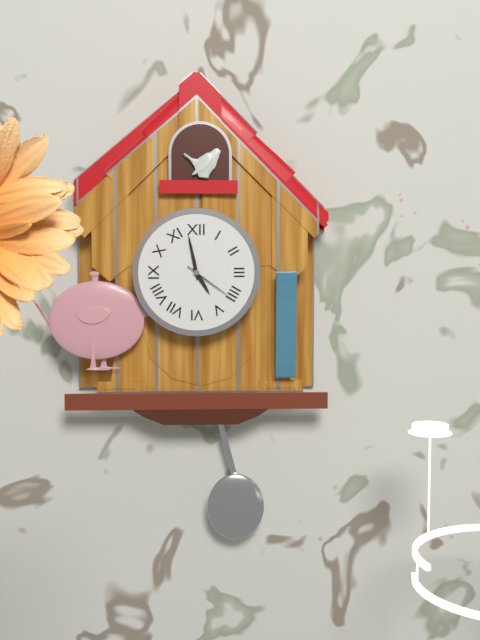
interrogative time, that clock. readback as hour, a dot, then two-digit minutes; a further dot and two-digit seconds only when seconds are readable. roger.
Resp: 4.58.21
